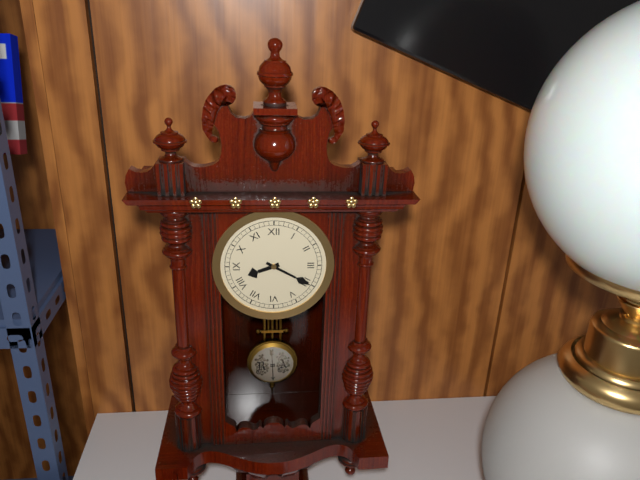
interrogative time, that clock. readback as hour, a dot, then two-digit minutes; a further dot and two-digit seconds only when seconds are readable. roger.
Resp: 8.20
